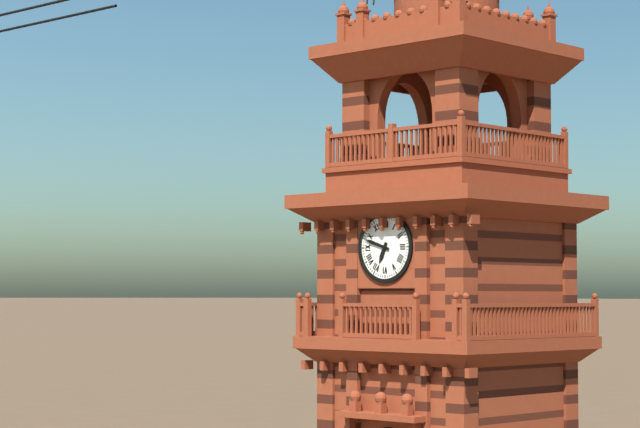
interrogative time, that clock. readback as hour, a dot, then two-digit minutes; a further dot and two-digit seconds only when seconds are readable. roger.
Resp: 6.48
